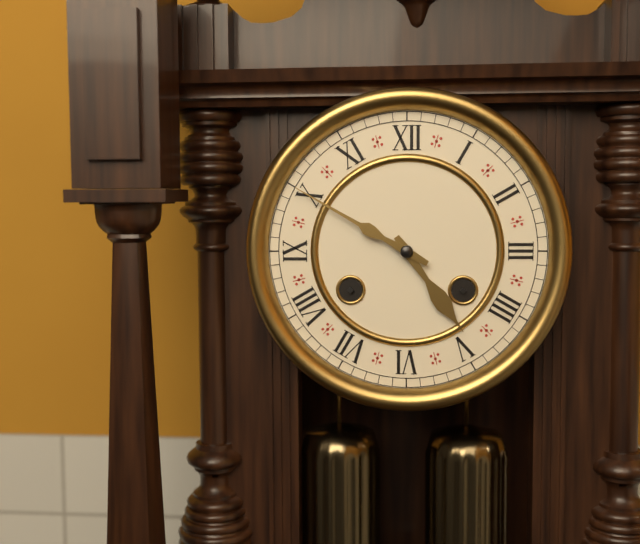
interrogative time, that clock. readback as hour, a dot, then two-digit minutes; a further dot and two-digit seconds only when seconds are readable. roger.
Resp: 4.50
